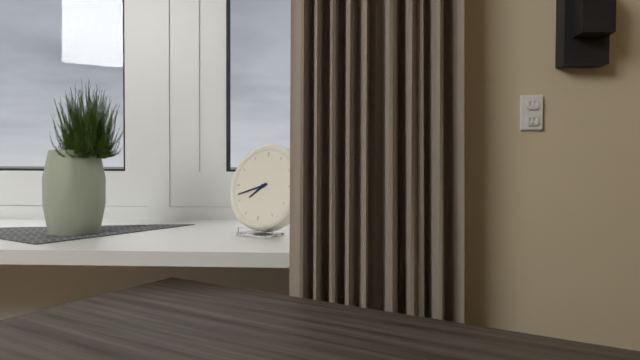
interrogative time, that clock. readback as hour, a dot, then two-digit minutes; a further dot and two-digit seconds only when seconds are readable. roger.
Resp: 7.42
